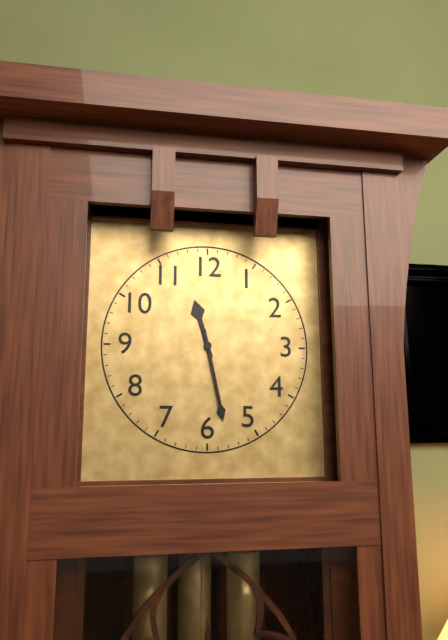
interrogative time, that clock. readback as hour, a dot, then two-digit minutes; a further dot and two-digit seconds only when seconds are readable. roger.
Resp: 11.28
